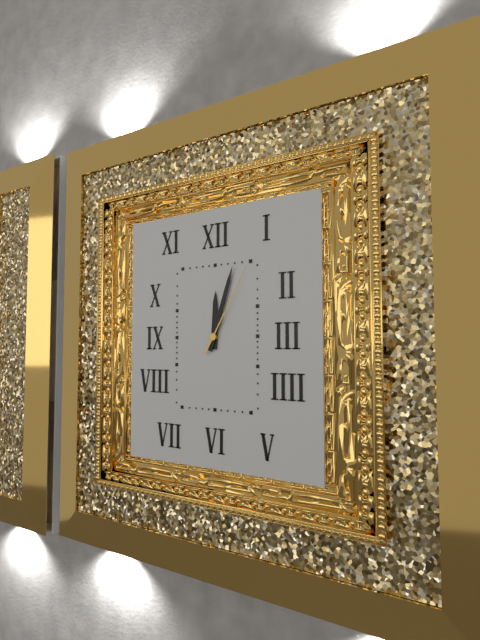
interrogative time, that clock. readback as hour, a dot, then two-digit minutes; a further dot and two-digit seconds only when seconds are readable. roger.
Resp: 12.03.05
